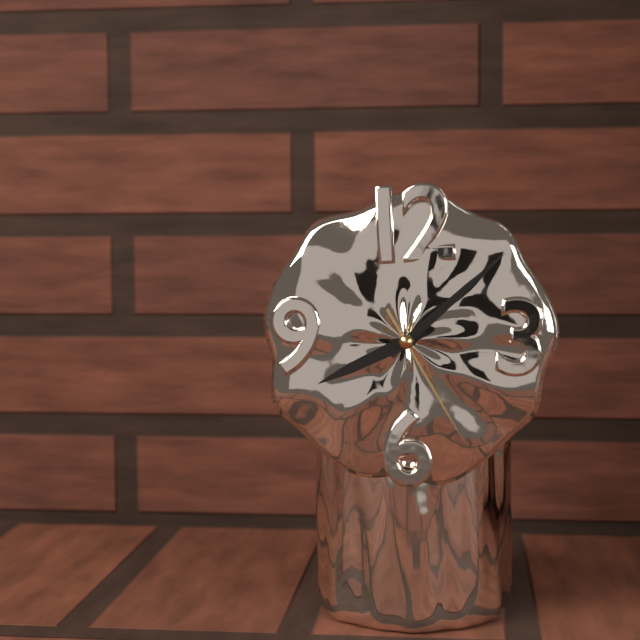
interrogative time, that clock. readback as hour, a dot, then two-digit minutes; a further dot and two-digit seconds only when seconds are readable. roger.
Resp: 8.08.25
